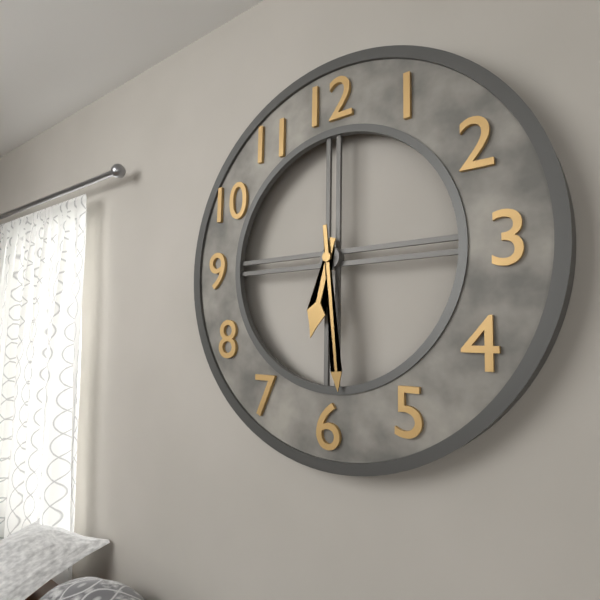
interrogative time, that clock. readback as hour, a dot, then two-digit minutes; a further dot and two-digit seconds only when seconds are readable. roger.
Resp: 6.29
